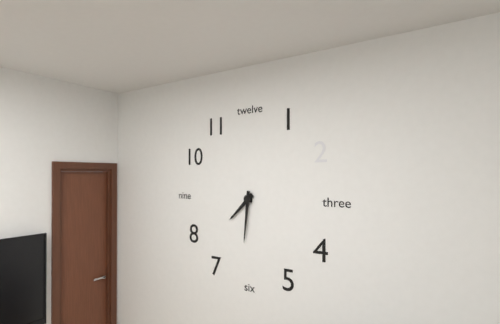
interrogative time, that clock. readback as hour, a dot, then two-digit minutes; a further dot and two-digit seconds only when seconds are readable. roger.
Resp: 7.31
